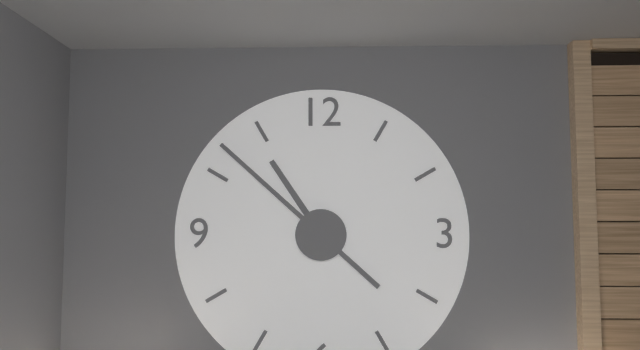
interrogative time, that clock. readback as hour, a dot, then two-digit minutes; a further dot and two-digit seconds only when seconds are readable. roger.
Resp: 10.52
